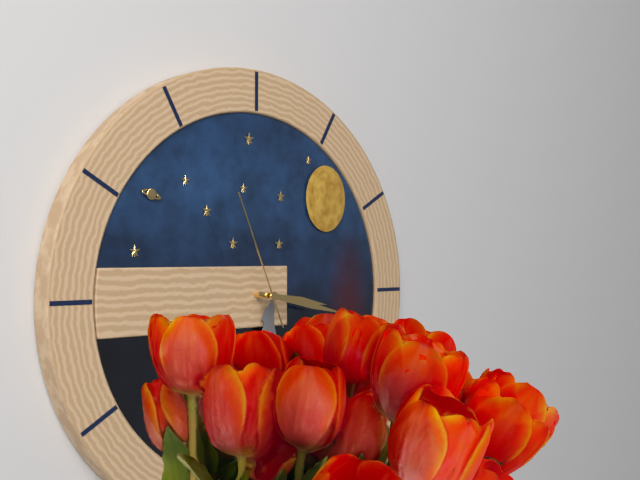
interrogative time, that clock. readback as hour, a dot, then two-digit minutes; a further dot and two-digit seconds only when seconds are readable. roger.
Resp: 3.17.56
